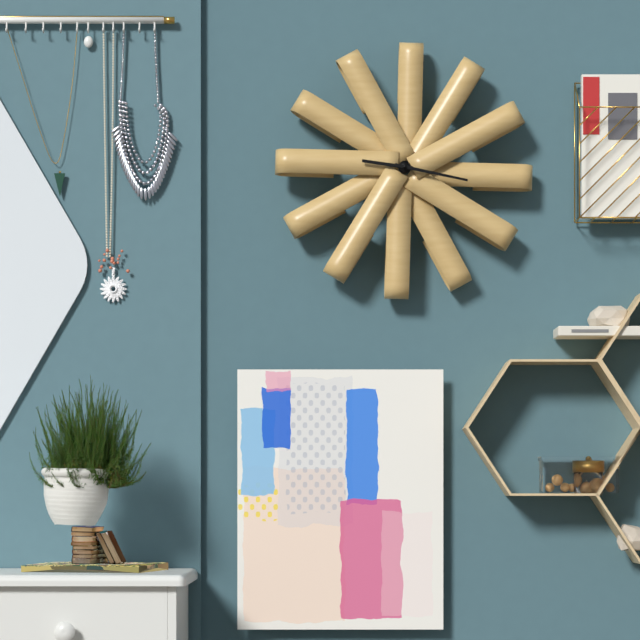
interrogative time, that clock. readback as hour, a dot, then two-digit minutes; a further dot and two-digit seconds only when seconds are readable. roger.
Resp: 9.17
